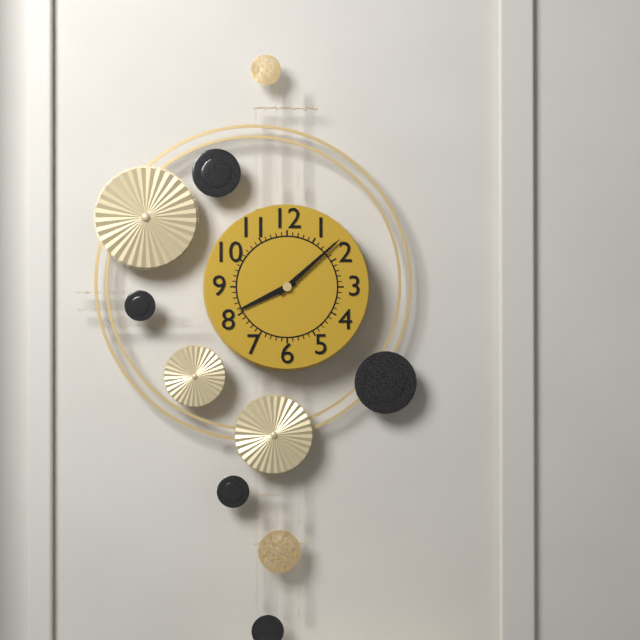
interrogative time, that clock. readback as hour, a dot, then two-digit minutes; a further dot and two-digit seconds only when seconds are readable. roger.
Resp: 8.08
